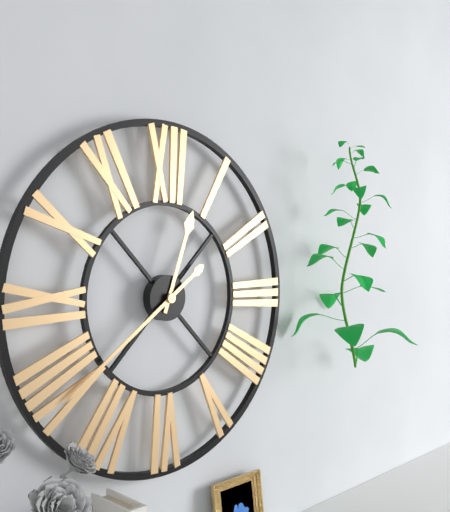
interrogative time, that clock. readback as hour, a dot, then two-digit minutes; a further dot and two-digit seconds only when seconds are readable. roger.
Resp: 12.39
